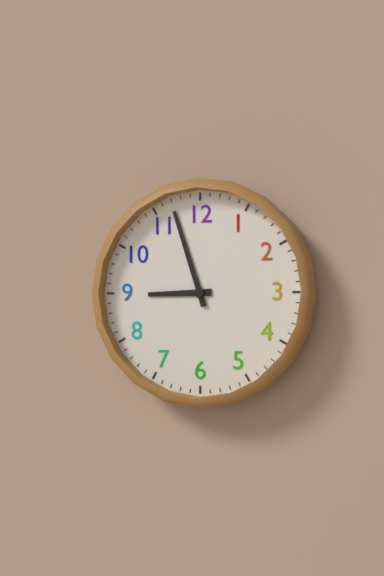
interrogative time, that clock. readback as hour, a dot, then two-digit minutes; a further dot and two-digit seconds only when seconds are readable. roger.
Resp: 8.57
